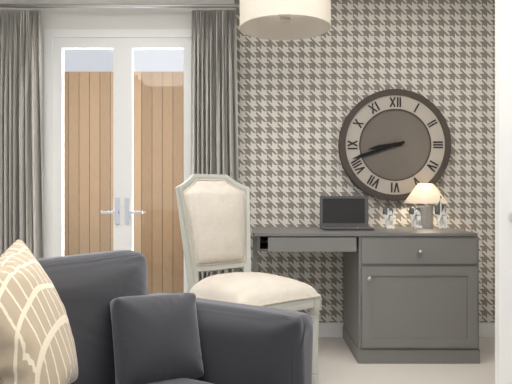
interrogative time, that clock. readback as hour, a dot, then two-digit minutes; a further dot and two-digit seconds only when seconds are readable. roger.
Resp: 8.42
